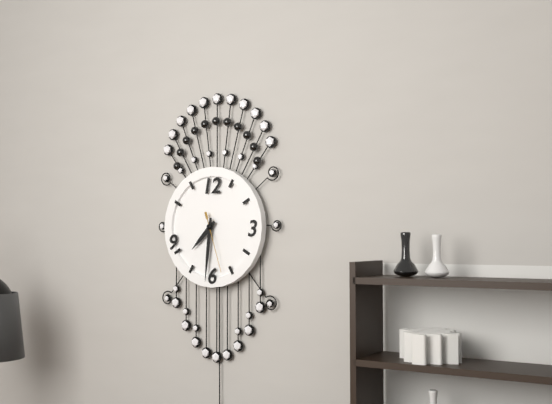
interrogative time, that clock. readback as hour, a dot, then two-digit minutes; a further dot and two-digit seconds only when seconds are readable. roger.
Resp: 7.31.27
